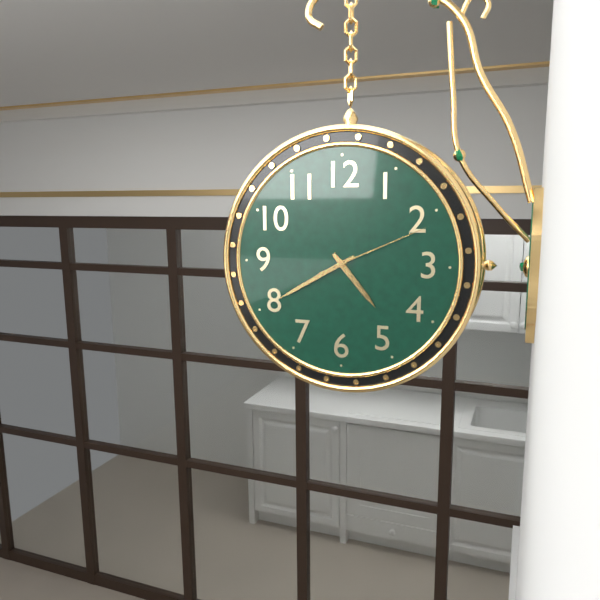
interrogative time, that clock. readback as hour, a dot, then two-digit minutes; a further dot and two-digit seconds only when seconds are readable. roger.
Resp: 4.40.11
